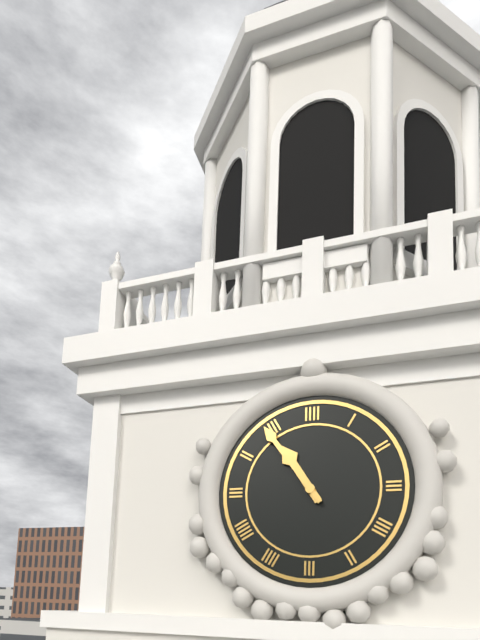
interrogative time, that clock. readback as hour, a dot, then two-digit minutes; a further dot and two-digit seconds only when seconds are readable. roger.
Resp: 10.54
